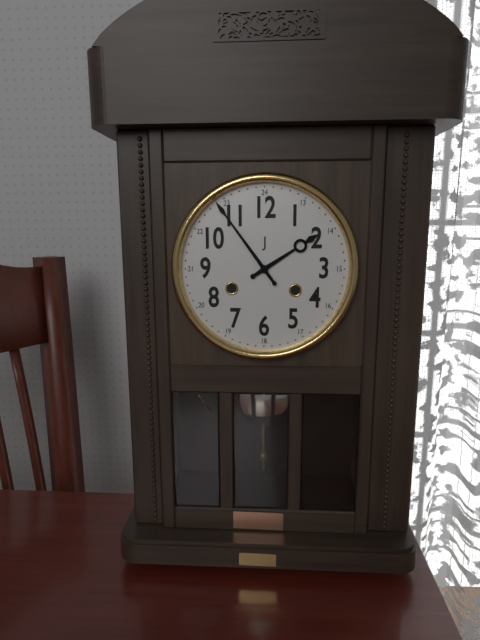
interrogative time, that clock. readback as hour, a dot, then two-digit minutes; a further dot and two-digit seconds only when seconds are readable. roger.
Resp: 1.54
